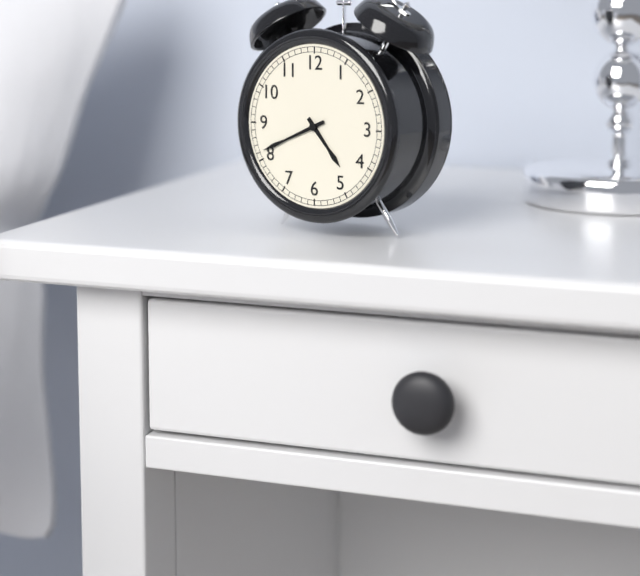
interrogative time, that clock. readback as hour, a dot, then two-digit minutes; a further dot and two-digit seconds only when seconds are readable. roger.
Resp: 4.41
